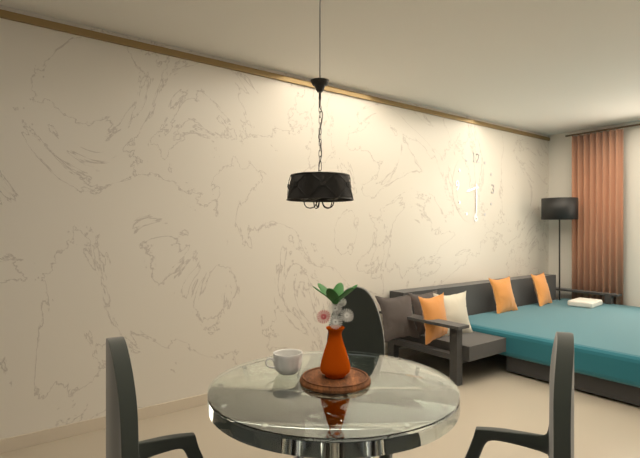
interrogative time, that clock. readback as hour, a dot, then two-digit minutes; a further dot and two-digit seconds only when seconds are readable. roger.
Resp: 8.30
